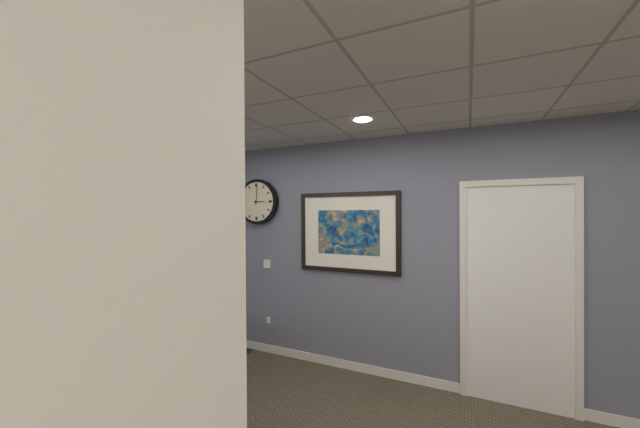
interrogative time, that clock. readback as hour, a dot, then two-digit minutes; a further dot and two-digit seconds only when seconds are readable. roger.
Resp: 3.01
